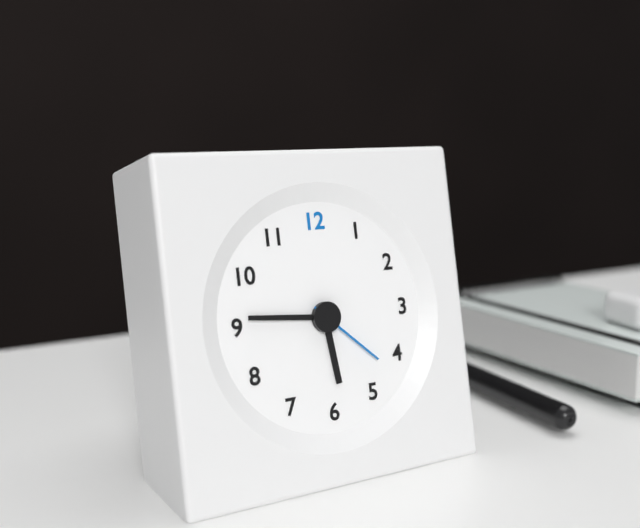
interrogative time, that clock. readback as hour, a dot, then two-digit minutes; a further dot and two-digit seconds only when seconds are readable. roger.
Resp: 5.46.22
